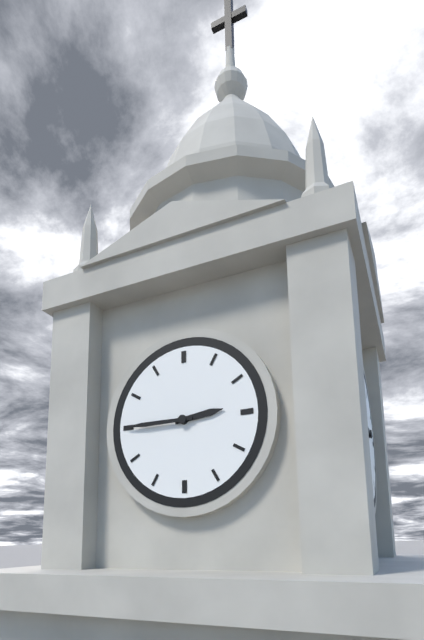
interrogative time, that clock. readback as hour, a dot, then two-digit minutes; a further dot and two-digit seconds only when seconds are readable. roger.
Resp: 2.45
